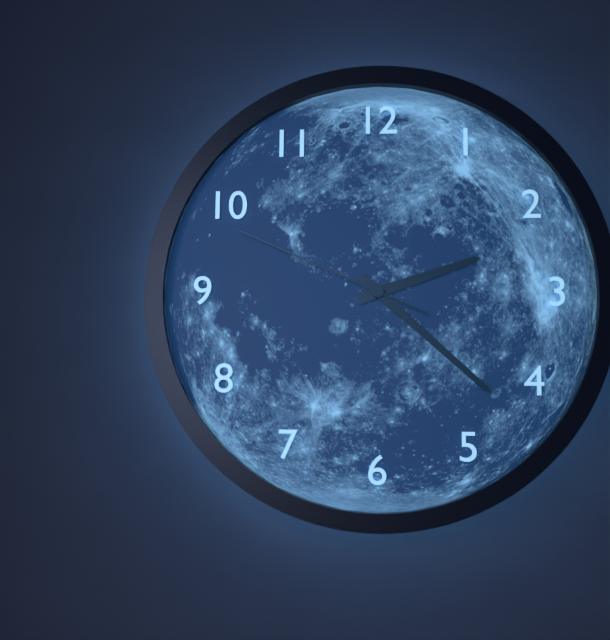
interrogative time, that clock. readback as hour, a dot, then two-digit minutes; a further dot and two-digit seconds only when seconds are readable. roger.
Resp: 2.22.49
